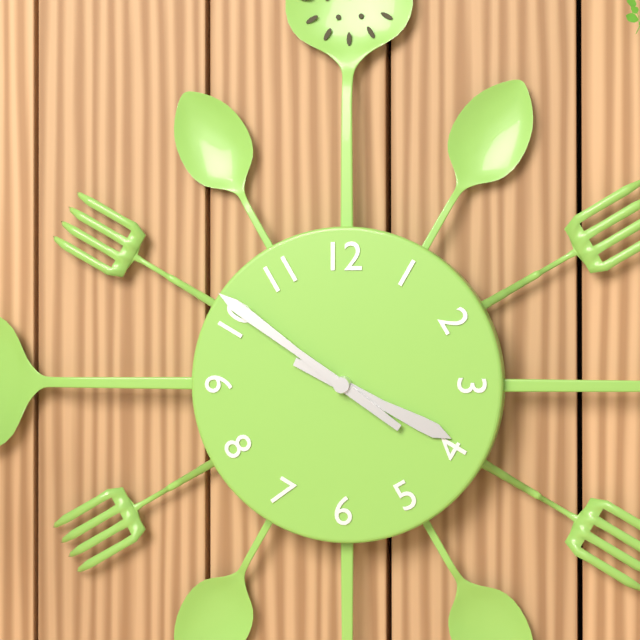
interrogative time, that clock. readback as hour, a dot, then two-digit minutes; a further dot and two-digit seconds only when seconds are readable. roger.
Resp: 3.51
